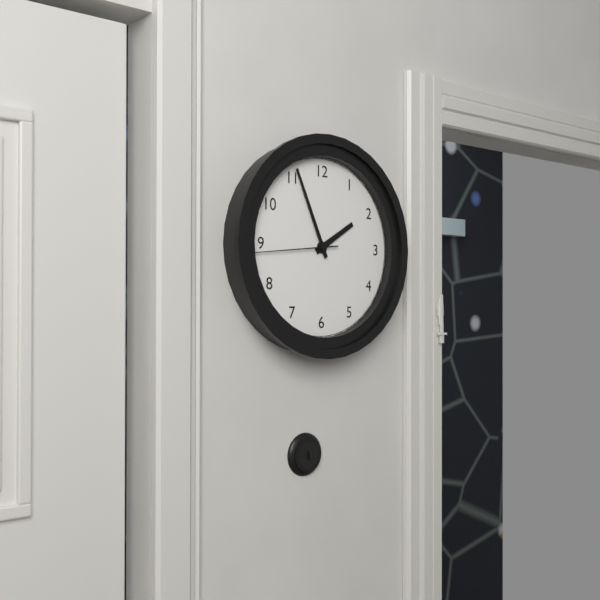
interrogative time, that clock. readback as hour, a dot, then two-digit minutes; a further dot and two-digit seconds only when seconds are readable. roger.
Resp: 1.56.44
